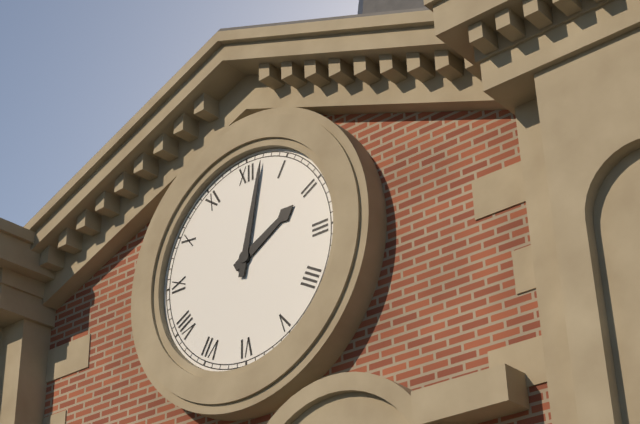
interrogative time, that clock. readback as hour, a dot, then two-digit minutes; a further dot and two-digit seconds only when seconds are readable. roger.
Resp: 2.02
